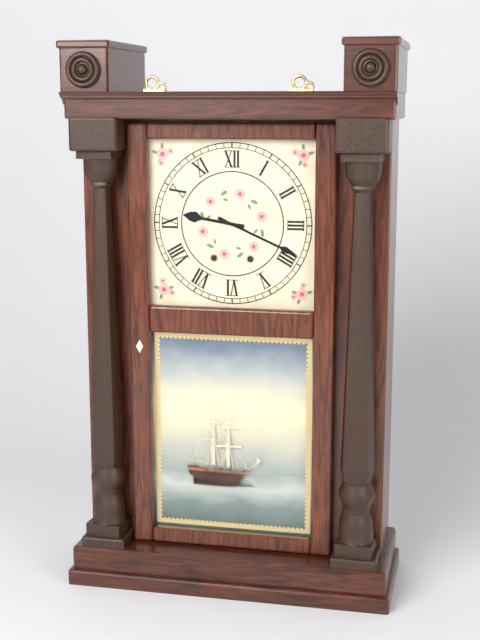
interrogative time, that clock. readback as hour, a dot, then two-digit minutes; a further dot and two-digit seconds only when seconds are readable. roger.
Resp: 9.19
